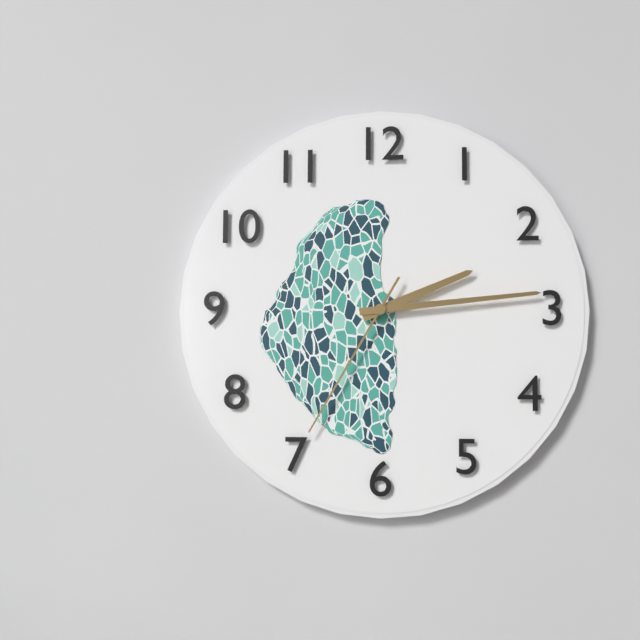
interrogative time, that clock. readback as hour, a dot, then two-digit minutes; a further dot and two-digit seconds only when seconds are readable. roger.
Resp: 2.14.35
